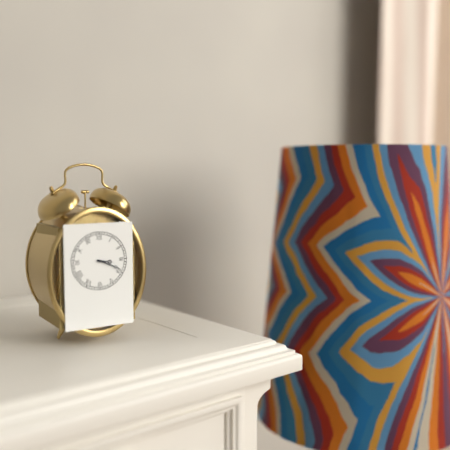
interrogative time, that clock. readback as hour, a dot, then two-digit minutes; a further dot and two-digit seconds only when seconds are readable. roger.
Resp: 3.19
